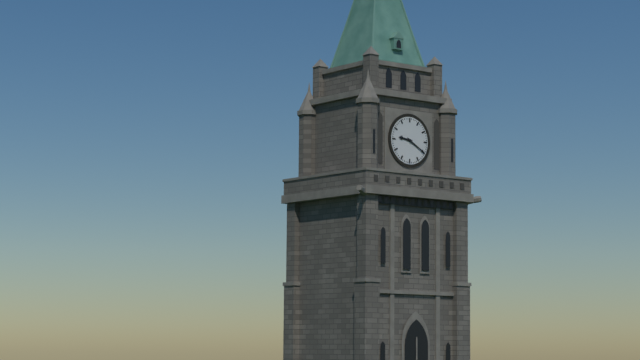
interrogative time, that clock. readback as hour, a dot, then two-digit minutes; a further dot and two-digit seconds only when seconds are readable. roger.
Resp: 9.20
